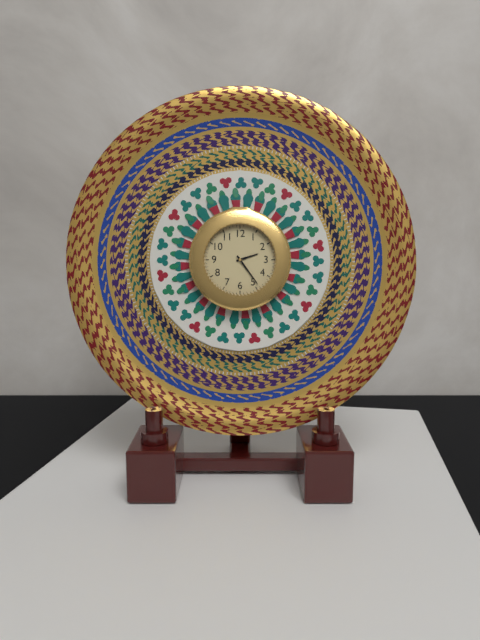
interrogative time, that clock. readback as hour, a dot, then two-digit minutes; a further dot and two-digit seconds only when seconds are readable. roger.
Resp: 2.24
